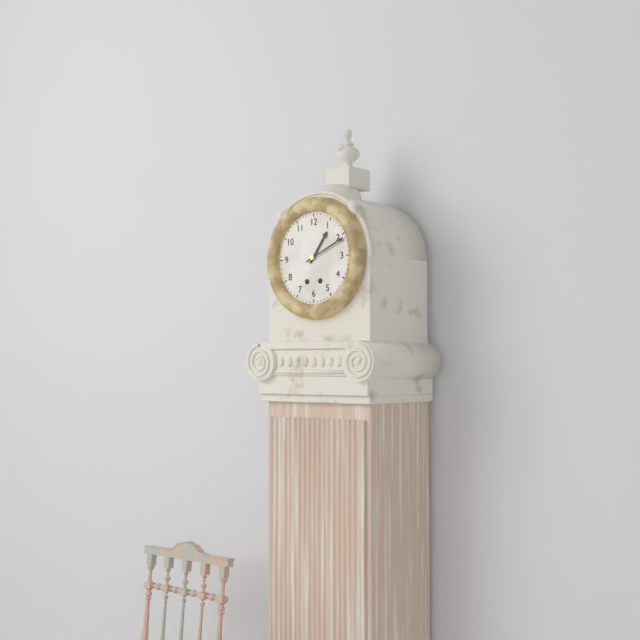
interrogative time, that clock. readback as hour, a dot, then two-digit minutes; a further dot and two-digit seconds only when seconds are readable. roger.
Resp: 1.11
